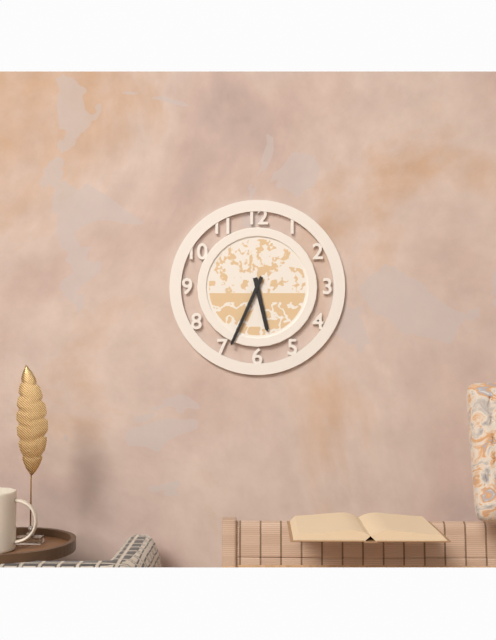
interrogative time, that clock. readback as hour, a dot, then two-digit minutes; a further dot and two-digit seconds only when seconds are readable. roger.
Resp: 5.34
